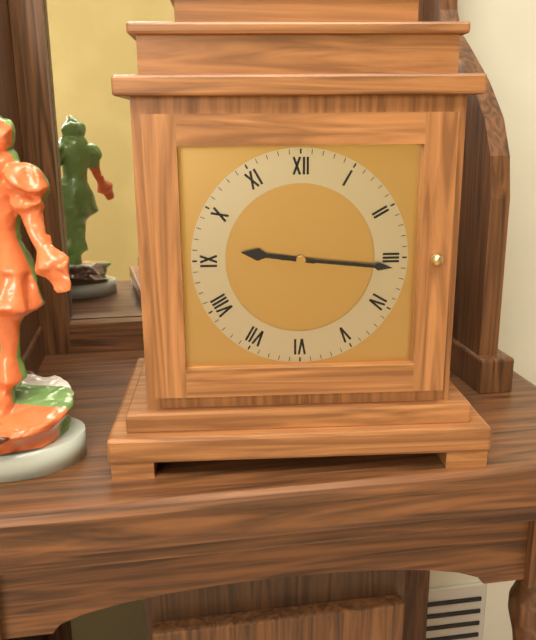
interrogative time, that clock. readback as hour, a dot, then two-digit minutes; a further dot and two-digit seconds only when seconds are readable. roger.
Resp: 9.16
